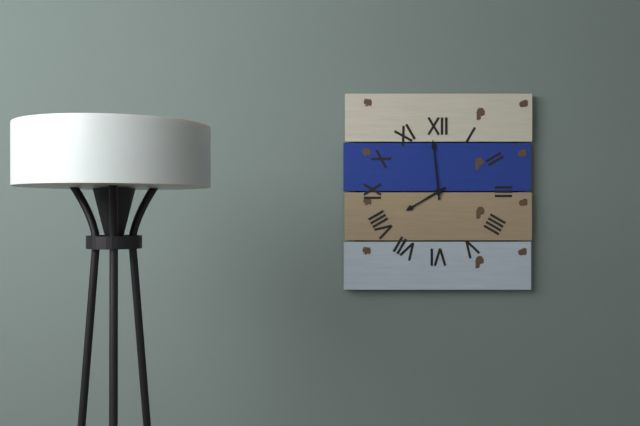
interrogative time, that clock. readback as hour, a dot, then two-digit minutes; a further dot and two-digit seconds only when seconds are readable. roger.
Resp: 7.59
